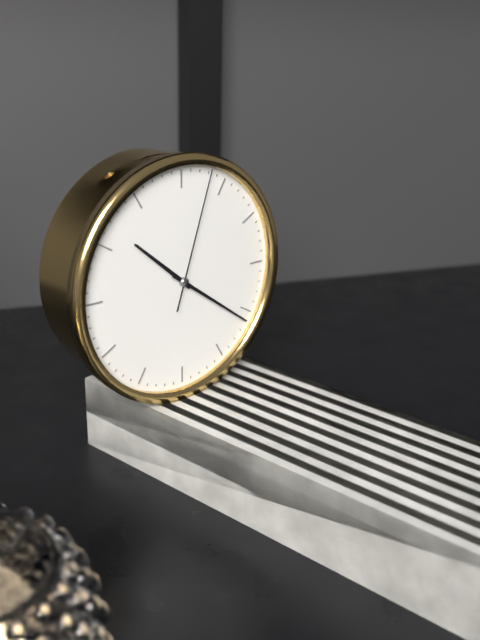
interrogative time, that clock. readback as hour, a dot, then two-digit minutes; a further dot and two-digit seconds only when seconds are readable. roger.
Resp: 10.21.03
